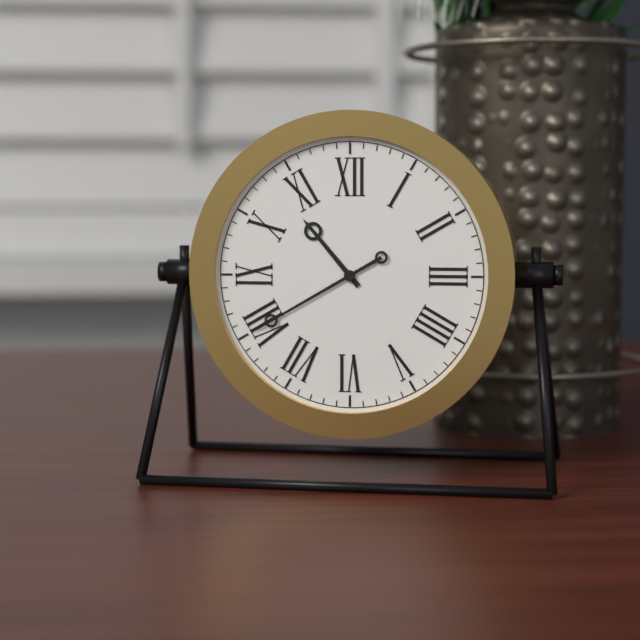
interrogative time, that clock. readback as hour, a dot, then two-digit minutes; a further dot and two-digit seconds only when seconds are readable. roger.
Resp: 10.40
